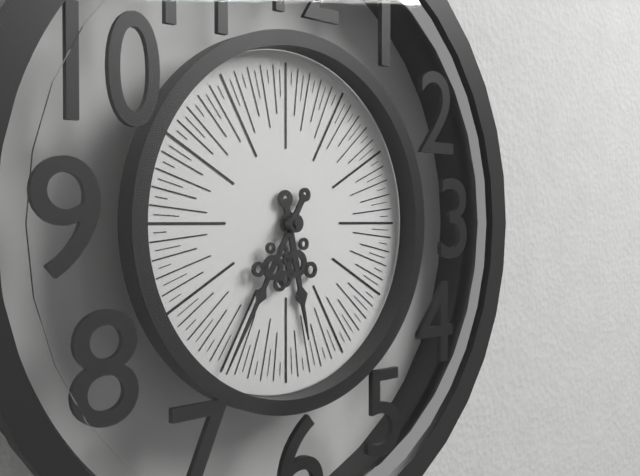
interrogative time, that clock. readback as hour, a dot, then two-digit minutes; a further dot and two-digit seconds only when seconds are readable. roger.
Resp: 5.35
